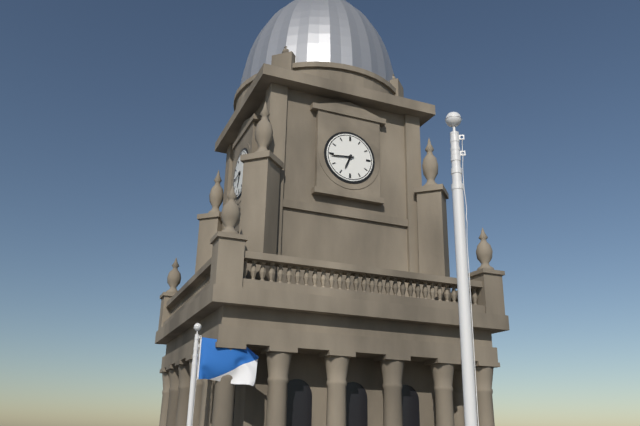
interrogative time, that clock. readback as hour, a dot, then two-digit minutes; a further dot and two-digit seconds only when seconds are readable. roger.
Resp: 6.44
